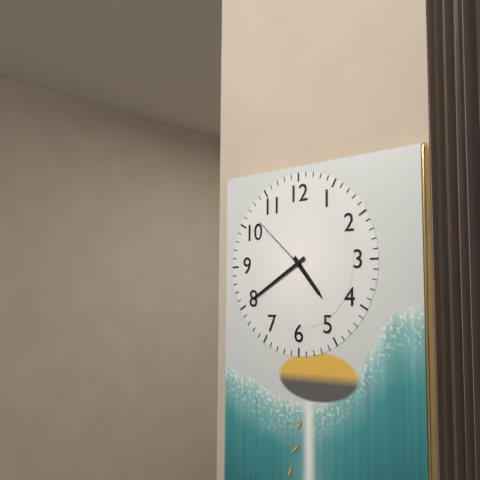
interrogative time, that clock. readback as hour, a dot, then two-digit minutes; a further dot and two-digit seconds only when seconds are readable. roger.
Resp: 4.40.52
